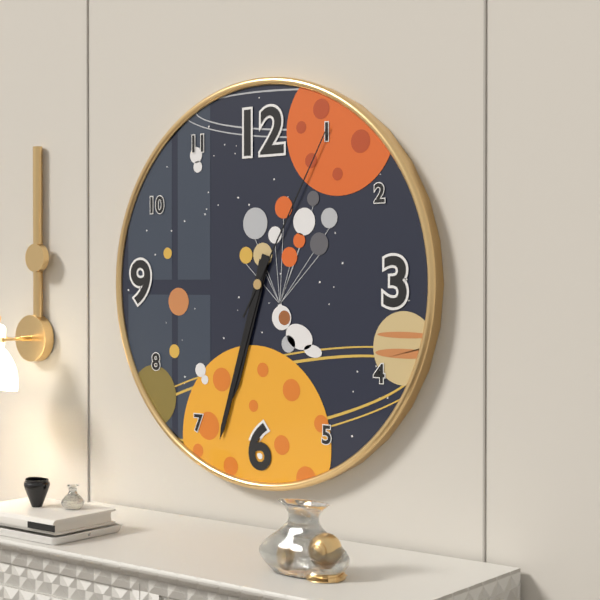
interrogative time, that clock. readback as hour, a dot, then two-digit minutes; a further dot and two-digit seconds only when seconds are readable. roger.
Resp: 6.33.05
